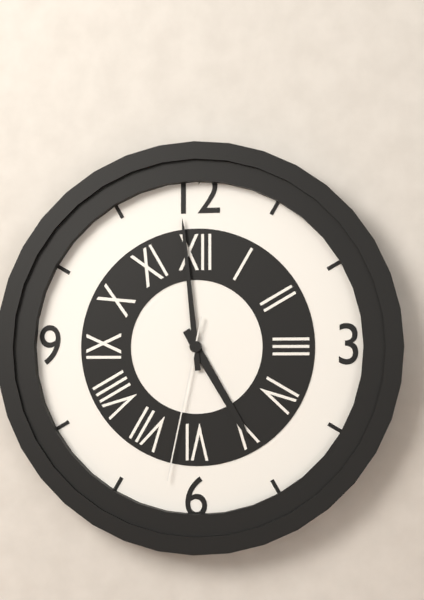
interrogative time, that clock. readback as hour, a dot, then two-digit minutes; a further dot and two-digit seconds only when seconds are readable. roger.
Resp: 4.59.32
